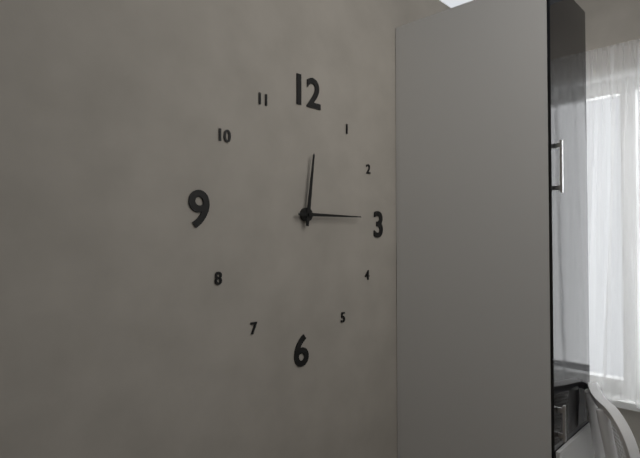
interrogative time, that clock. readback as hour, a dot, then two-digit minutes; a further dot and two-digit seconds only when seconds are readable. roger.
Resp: 12.15
